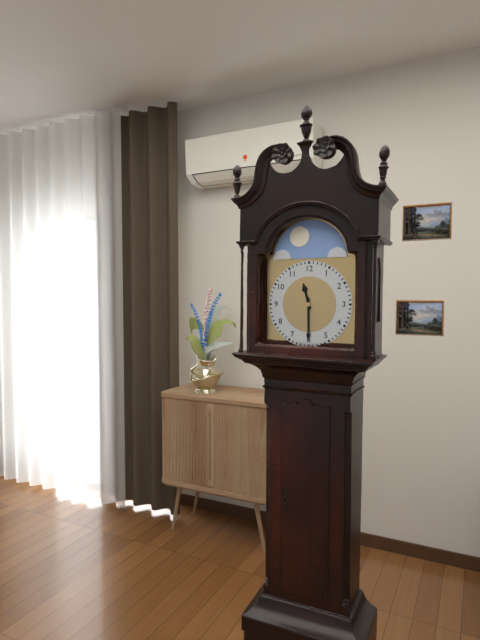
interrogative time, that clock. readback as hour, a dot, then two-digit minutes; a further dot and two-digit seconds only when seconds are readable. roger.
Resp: 11.30
